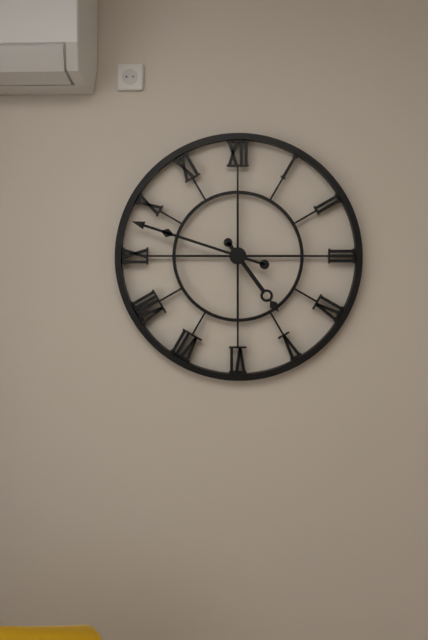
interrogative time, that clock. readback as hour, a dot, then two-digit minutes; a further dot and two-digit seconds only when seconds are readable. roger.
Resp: 4.48
